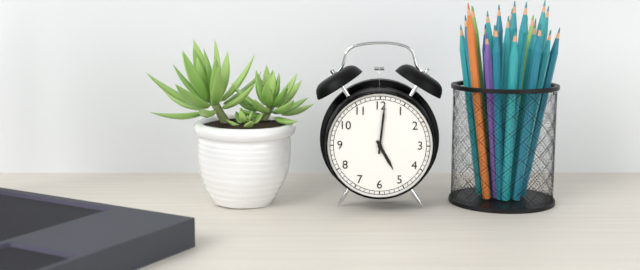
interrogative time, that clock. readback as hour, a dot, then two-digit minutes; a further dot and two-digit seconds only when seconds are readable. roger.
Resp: 5.01
